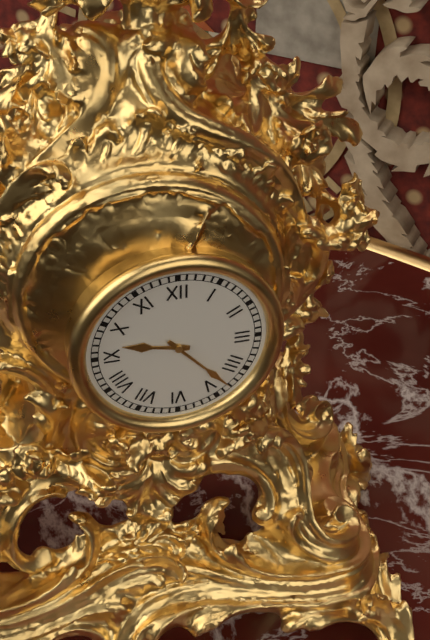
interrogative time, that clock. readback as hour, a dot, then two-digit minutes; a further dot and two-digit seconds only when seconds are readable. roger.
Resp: 9.23
